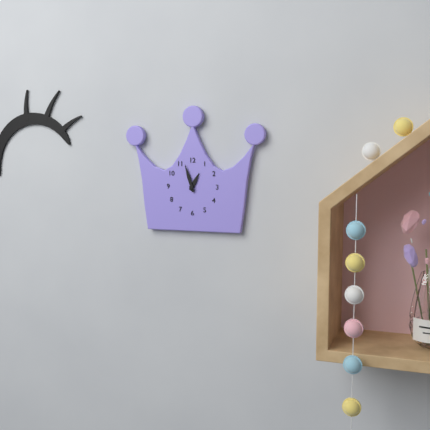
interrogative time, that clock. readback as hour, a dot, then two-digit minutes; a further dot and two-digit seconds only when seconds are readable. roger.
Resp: 12.57
